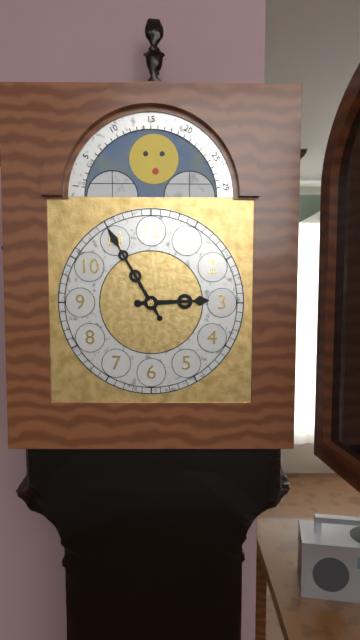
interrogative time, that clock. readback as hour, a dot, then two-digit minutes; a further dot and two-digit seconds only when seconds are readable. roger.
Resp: 2.55
